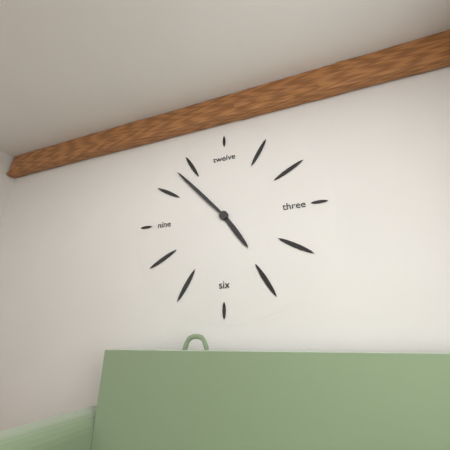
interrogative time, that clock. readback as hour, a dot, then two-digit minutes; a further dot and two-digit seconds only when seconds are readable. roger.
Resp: 4.53
